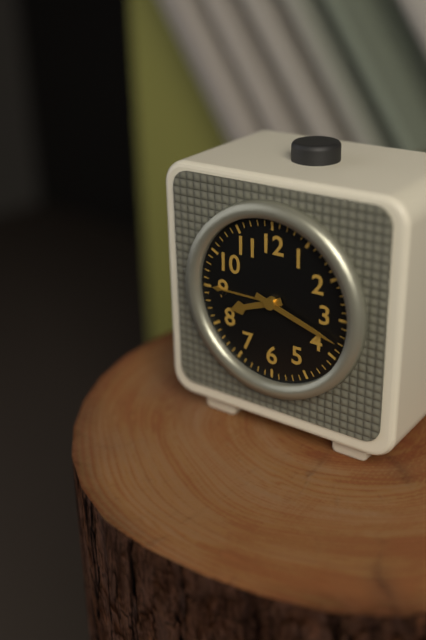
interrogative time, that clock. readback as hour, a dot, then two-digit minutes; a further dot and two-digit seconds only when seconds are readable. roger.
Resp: 8.18
